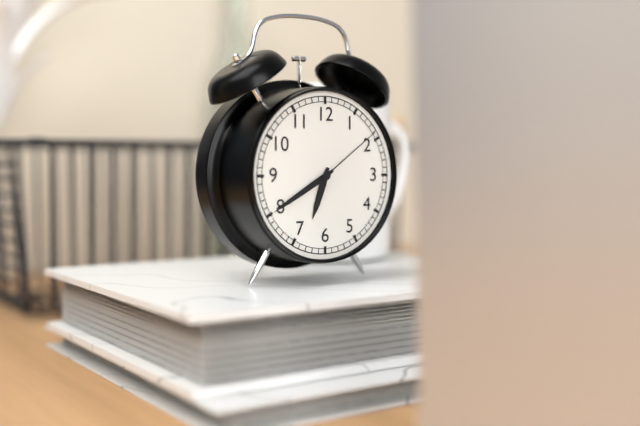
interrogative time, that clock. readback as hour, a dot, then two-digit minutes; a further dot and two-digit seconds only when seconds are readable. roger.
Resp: 6.40.09
